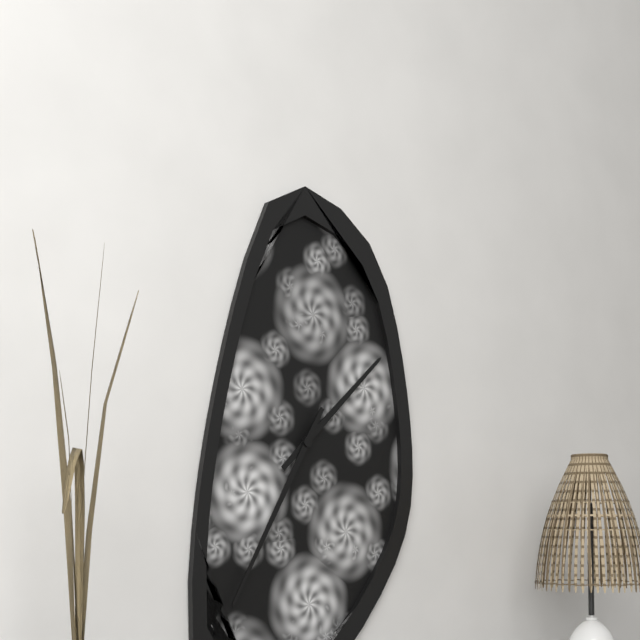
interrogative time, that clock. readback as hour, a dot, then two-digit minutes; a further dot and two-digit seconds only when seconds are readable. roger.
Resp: 1.35
